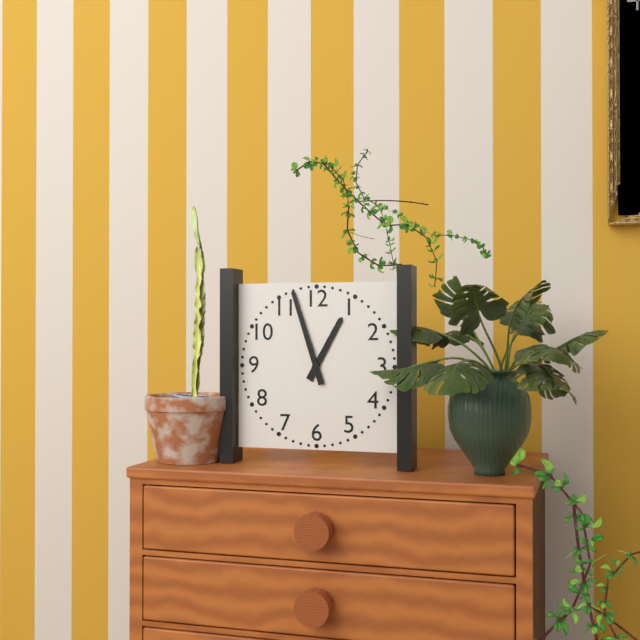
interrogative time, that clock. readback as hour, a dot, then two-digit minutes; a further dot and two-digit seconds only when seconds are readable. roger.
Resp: 12.57
